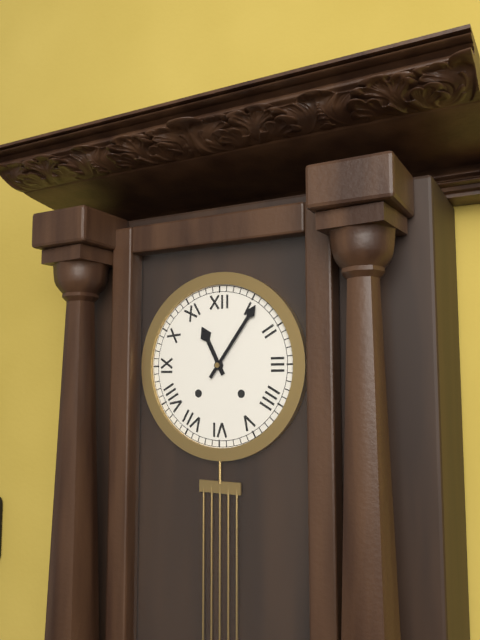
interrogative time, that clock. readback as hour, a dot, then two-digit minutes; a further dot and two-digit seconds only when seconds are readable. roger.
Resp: 11.06
